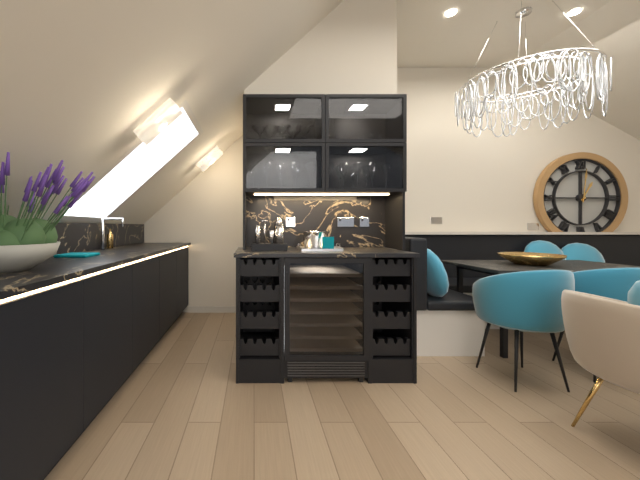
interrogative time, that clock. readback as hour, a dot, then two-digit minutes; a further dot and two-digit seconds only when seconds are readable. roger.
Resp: 1.01
